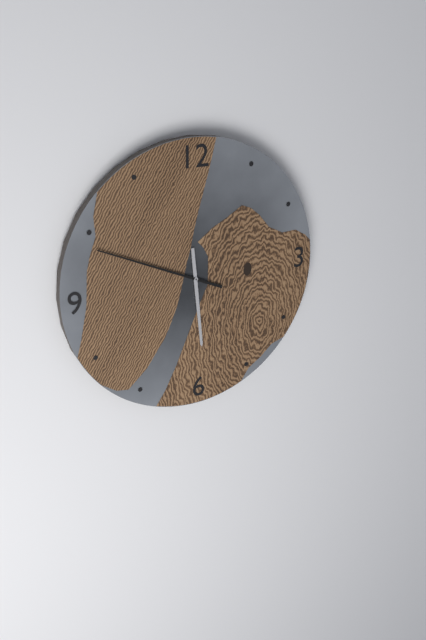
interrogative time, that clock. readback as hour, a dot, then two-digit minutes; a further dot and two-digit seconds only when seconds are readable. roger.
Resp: 5.49
